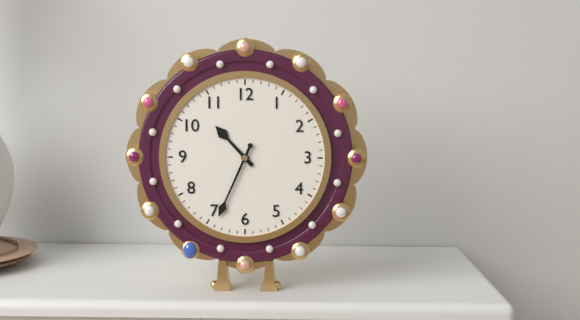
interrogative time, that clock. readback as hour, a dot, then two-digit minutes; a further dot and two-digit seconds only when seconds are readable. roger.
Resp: 10.34
